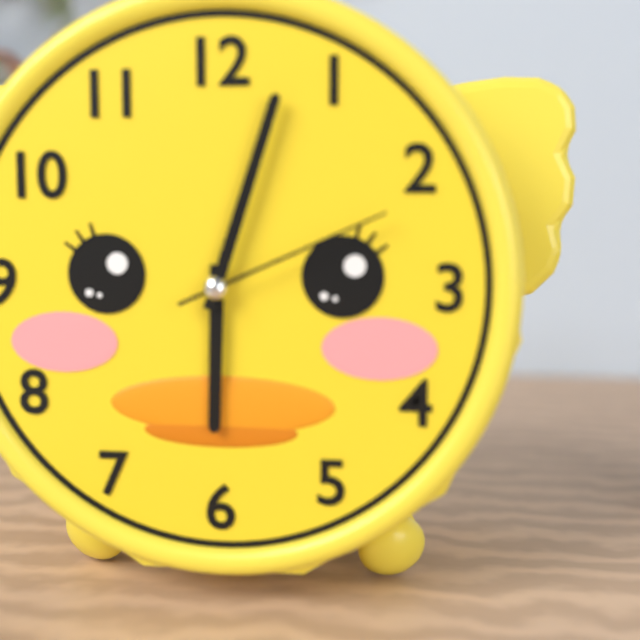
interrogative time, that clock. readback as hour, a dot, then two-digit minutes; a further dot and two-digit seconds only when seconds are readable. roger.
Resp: 6.03.11
